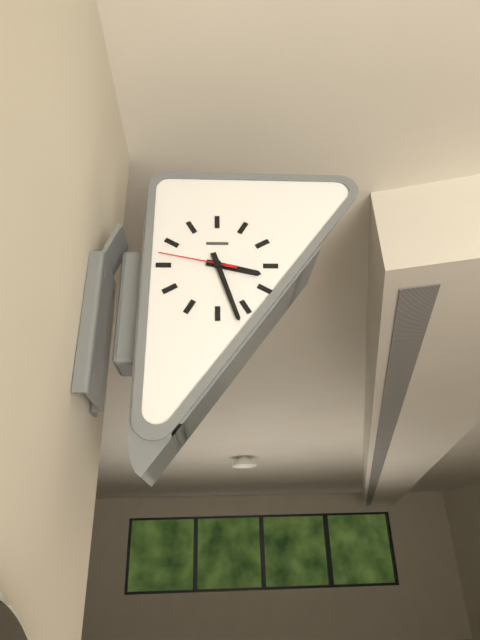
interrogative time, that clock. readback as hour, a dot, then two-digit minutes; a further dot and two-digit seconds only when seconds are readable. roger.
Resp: 3.27.47
